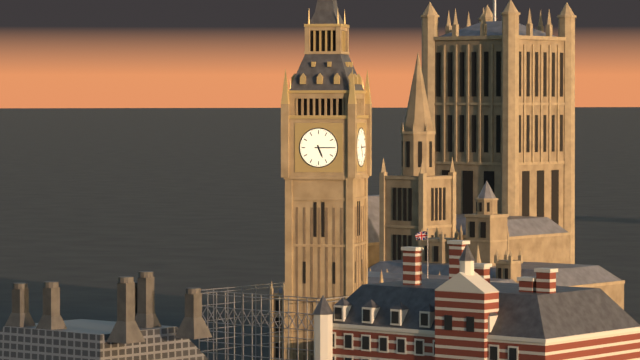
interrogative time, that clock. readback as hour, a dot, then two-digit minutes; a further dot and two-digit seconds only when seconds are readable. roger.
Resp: 5.15
